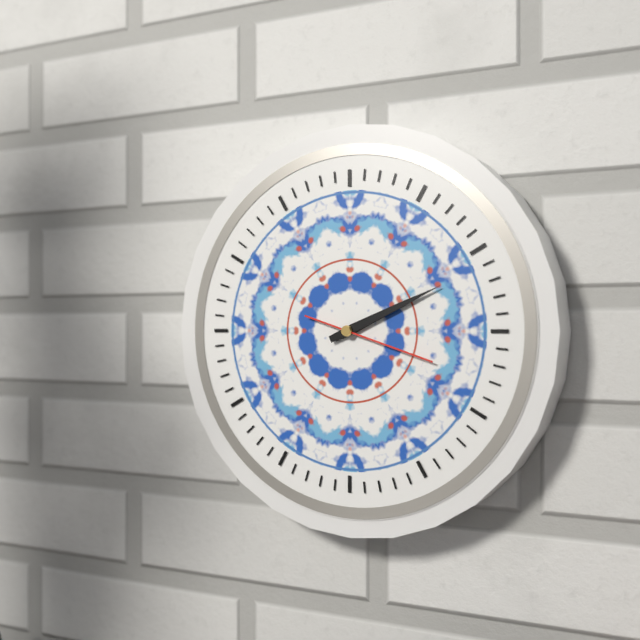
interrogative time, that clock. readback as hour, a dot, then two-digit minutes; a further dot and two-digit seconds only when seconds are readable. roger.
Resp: 2.11.18
